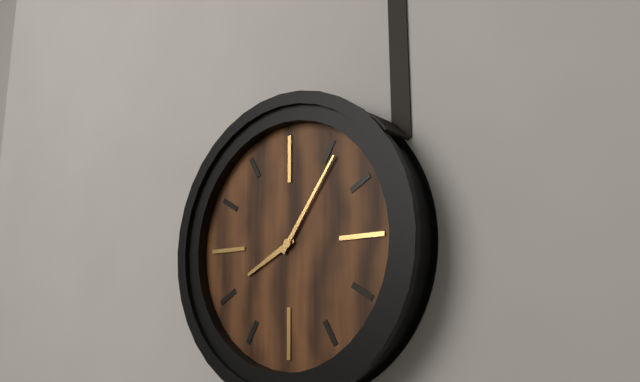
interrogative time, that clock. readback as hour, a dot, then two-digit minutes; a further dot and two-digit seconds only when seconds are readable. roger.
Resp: 8.06
